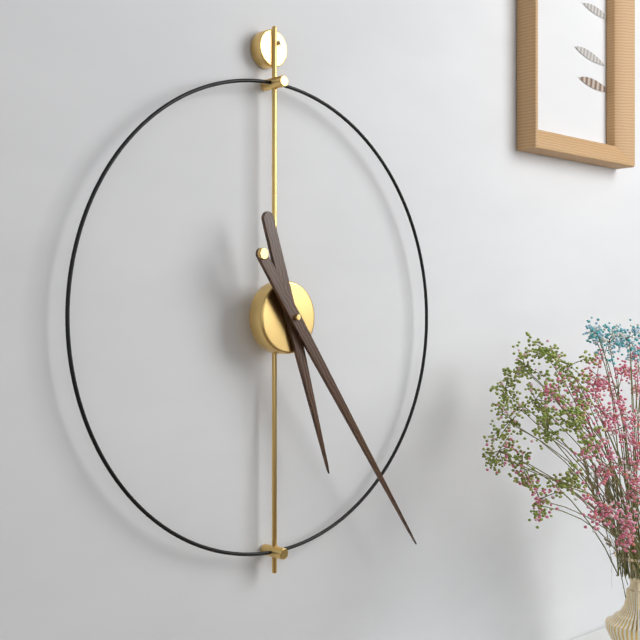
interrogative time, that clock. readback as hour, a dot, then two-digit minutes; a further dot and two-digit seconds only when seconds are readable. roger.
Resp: 5.24
